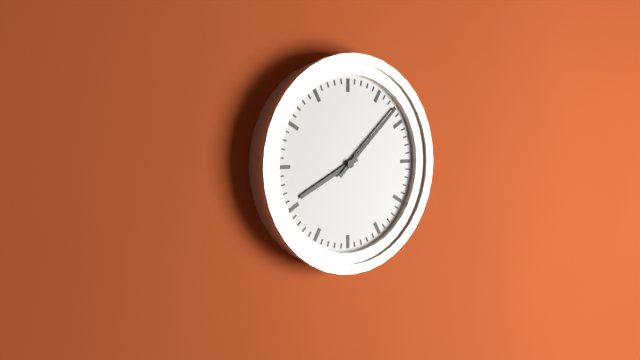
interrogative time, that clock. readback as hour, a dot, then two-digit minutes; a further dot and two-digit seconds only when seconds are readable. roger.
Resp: 8.08
